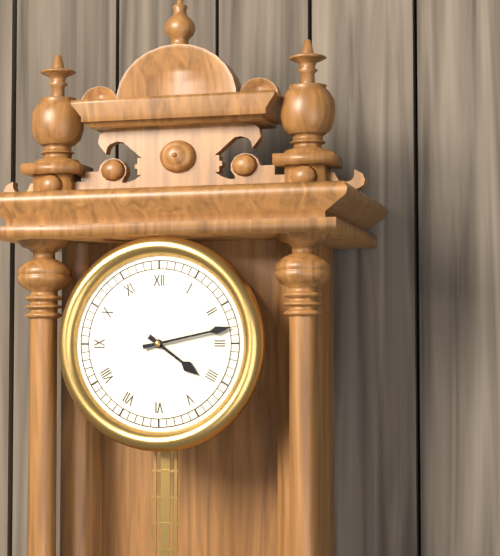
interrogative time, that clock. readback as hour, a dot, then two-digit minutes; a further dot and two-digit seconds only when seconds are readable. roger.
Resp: 4.13
